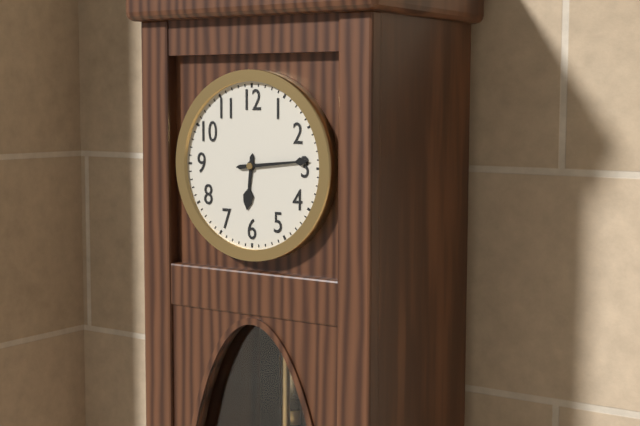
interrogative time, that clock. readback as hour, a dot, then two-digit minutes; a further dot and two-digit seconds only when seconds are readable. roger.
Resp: 6.14
